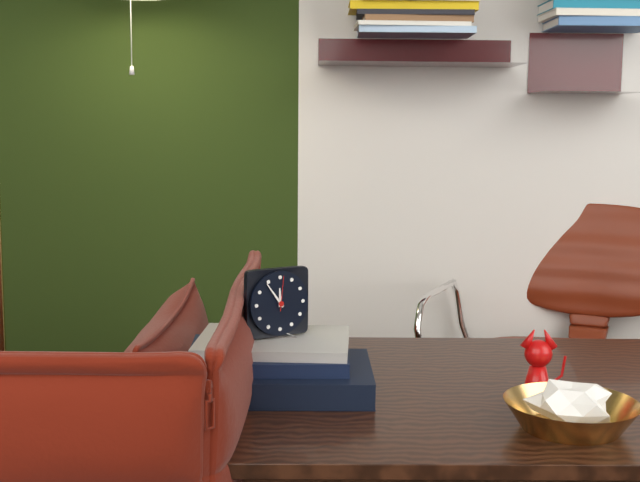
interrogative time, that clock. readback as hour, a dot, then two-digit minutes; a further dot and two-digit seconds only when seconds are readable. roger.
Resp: 11.54
